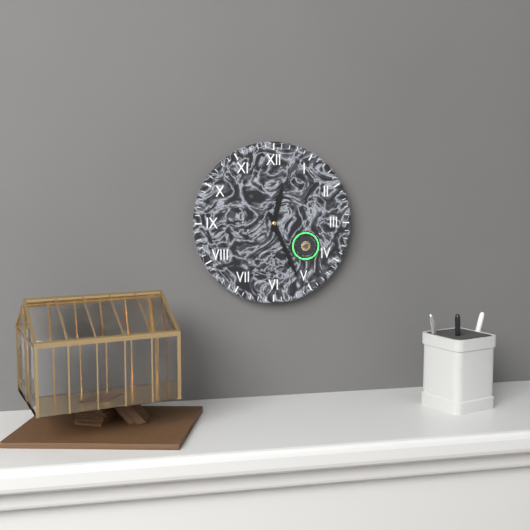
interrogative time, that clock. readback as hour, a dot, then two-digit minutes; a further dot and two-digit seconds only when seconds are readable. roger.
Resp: 12.26
